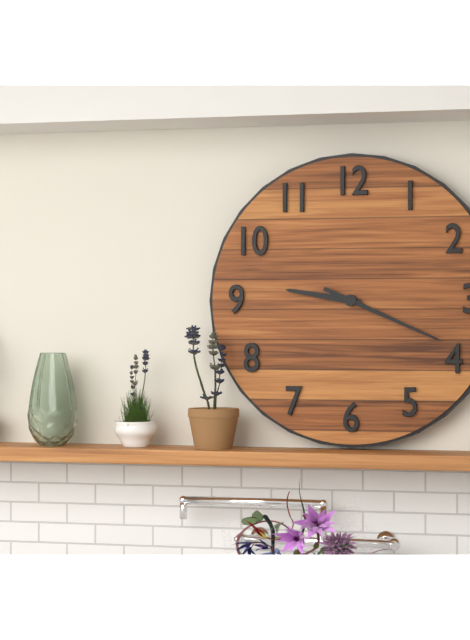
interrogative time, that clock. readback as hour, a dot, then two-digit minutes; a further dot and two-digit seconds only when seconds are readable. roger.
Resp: 9.19
